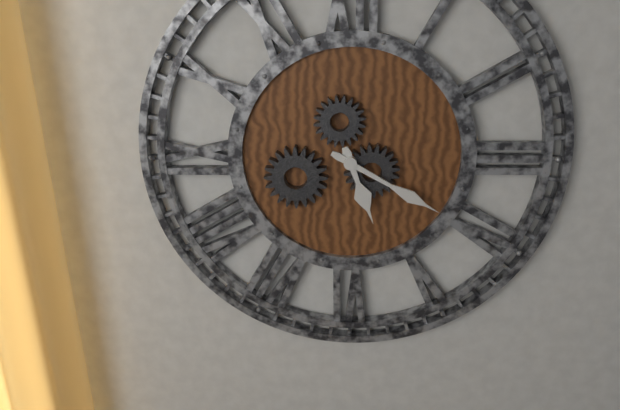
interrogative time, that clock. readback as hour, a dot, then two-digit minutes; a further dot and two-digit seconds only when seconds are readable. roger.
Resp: 5.20
